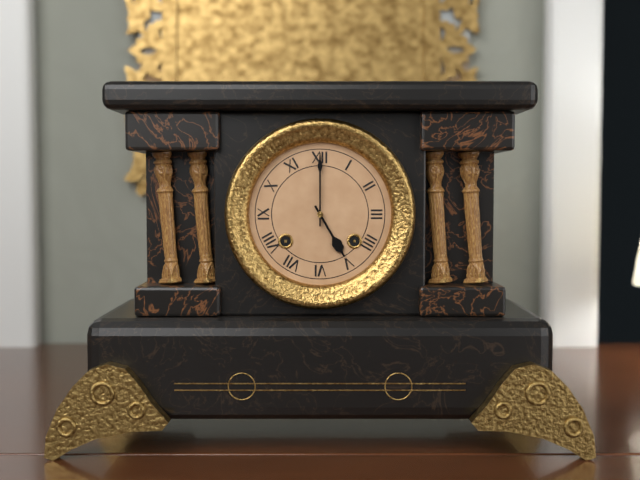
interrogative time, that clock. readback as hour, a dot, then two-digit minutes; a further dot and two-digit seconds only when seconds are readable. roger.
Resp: 5.00
